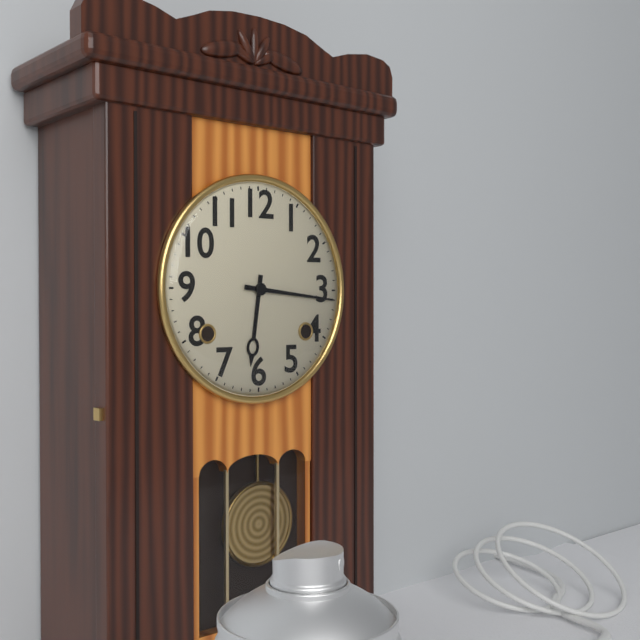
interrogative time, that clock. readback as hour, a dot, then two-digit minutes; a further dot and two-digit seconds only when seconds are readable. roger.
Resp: 6.16
